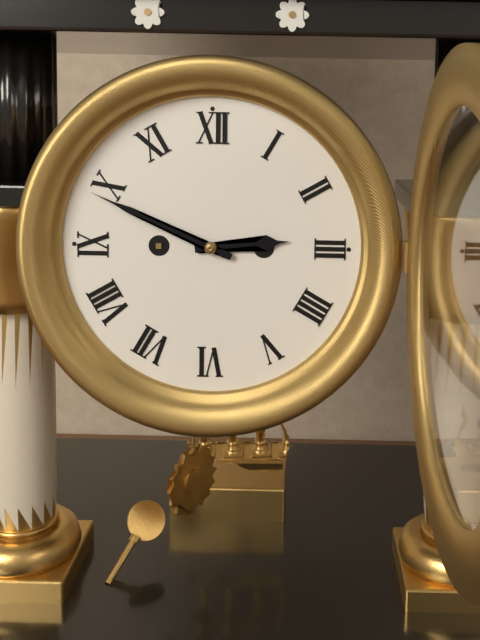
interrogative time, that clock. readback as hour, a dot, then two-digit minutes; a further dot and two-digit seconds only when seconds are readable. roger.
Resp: 2.49
